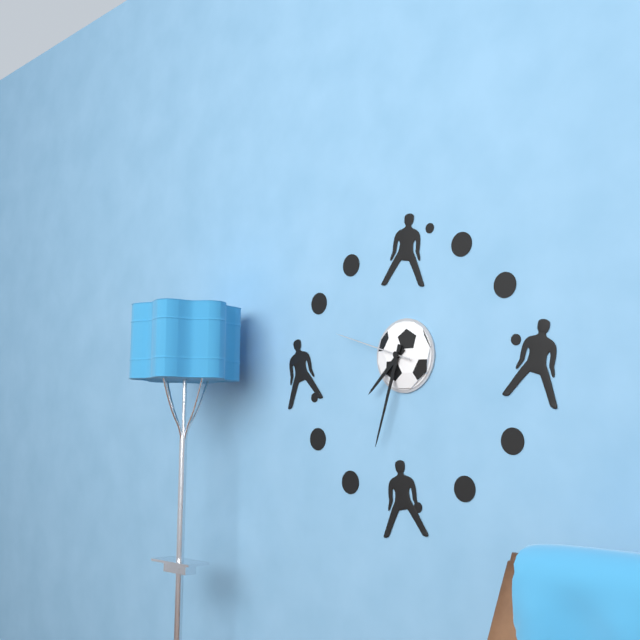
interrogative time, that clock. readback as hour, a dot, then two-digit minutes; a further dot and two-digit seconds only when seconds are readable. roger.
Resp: 7.33.48
